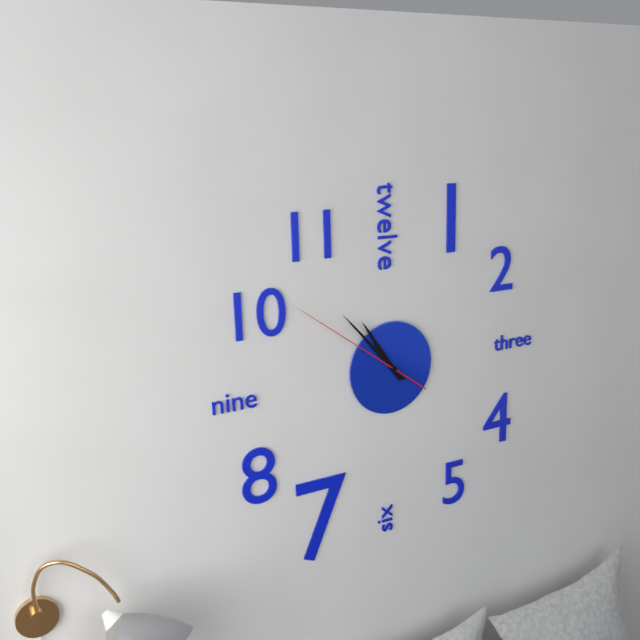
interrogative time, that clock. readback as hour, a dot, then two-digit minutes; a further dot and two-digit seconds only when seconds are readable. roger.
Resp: 10.53.51
